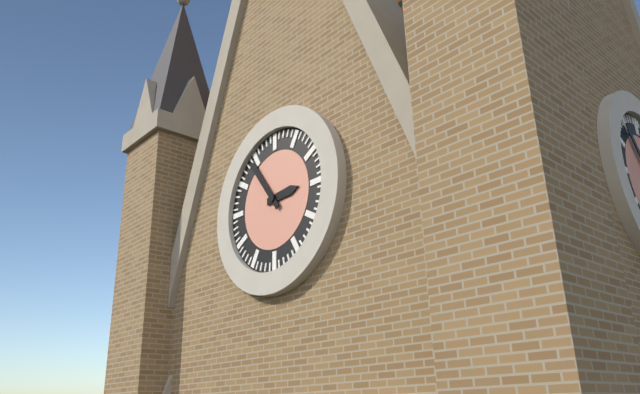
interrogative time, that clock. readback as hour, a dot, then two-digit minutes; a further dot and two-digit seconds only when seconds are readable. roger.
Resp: 2.54
